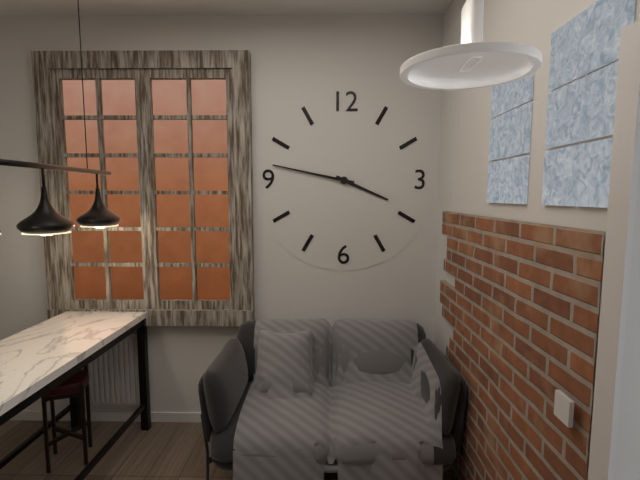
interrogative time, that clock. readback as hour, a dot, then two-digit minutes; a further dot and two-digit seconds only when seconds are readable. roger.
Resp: 3.47
